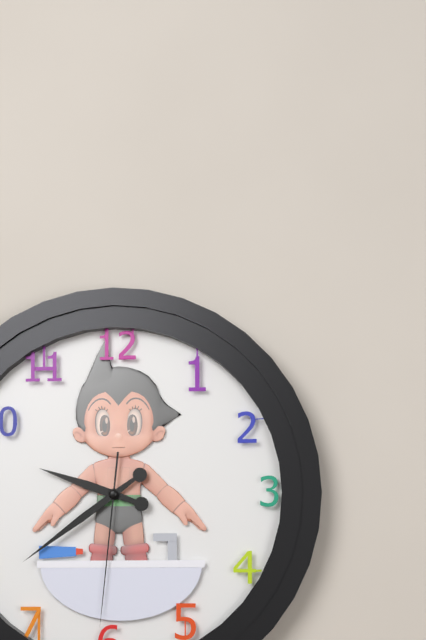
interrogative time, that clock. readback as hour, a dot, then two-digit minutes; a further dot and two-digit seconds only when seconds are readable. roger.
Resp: 9.39.31
